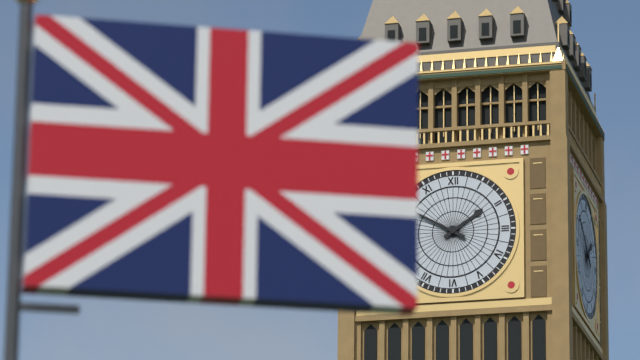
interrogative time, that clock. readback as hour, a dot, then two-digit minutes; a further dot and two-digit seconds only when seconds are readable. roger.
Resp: 1.50
